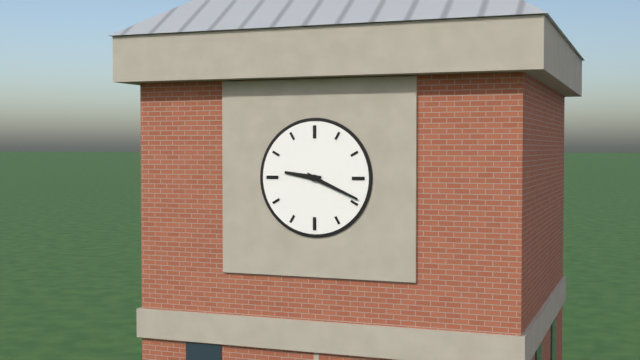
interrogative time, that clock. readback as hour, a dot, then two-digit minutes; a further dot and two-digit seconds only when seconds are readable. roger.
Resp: 9.19
